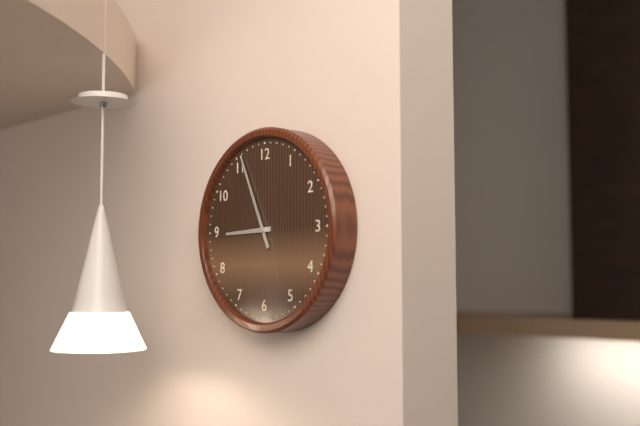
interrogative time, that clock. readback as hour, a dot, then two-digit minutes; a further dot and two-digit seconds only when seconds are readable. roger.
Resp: 8.56
